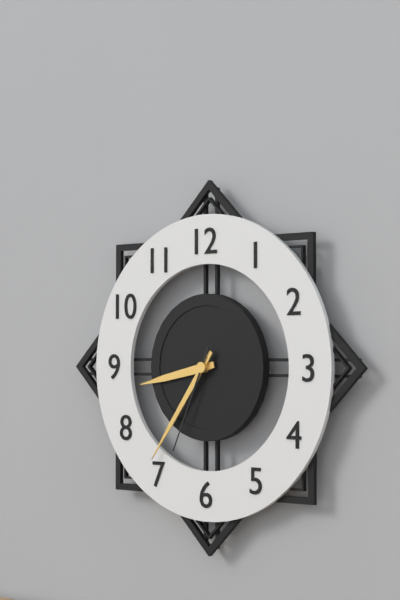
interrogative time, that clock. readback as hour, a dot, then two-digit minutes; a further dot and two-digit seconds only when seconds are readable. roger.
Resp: 8.36.34
